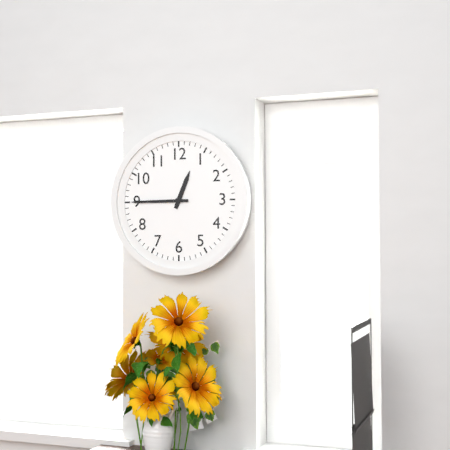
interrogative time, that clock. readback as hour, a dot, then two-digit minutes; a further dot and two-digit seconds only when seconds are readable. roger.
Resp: 12.45
